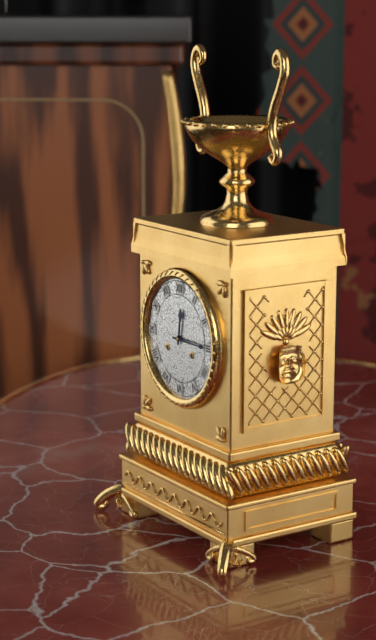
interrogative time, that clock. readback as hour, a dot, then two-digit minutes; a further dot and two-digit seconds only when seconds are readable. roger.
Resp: 12.15
